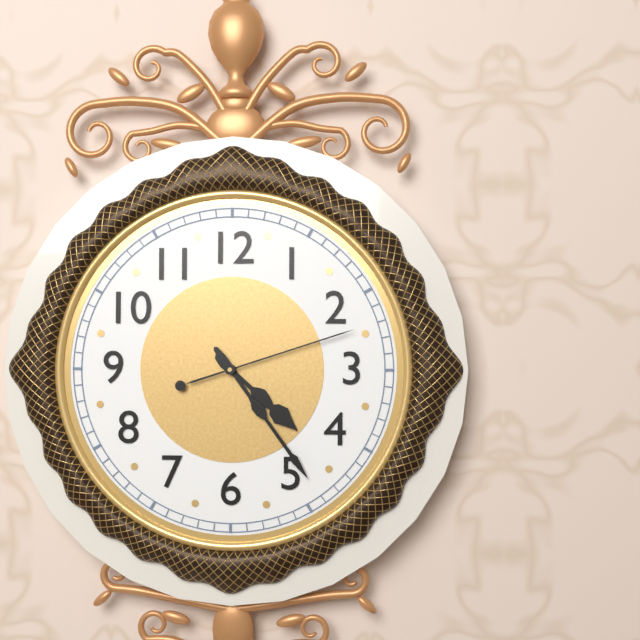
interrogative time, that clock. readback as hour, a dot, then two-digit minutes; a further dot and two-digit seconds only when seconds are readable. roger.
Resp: 4.24.12
